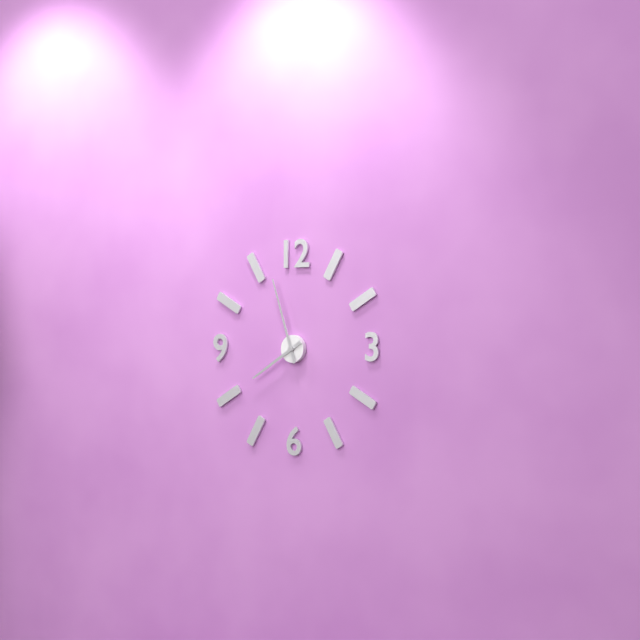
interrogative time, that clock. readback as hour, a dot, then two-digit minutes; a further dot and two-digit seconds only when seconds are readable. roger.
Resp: 7.57
